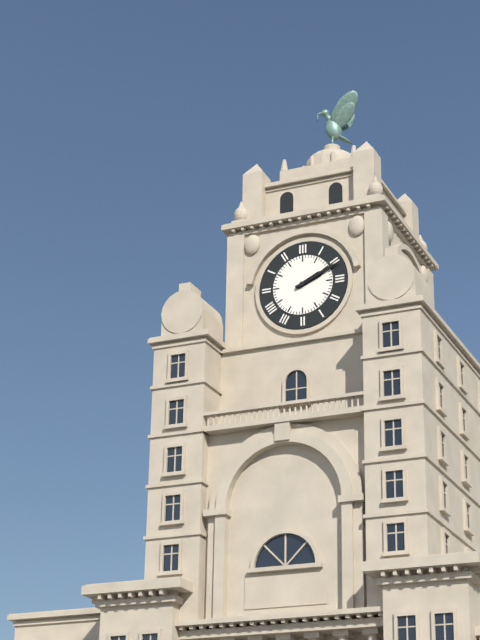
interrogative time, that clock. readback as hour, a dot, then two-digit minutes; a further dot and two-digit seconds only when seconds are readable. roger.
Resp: 2.11
